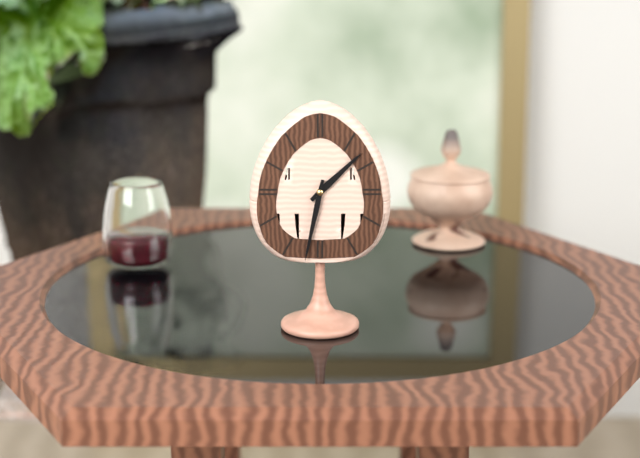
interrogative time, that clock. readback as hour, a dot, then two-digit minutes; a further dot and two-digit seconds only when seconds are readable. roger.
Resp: 1.32
